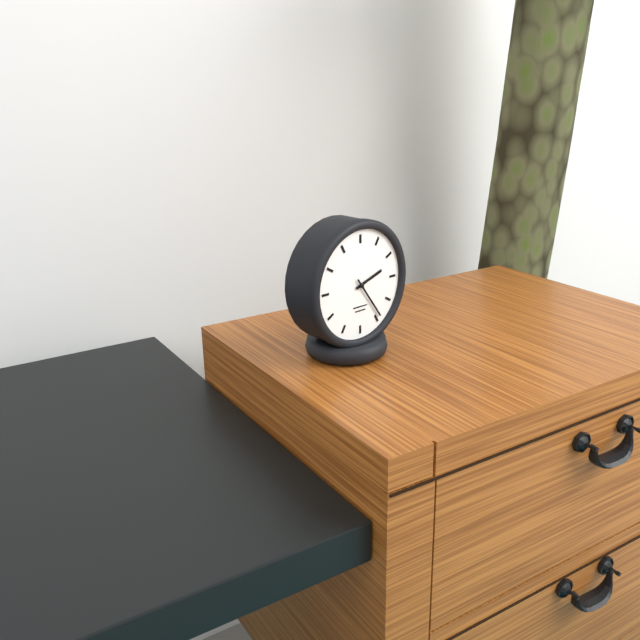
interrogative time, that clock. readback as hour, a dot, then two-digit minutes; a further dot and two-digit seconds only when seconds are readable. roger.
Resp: 2.24
